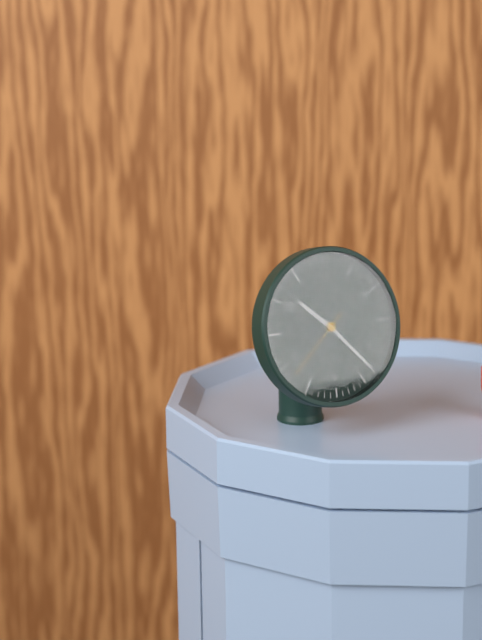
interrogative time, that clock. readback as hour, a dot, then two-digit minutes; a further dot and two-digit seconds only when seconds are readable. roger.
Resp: 10.23.38
